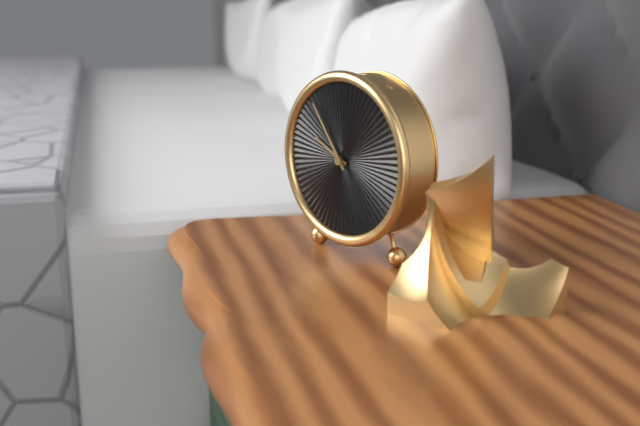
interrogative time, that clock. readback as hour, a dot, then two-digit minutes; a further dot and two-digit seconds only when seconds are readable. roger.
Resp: 9.54
